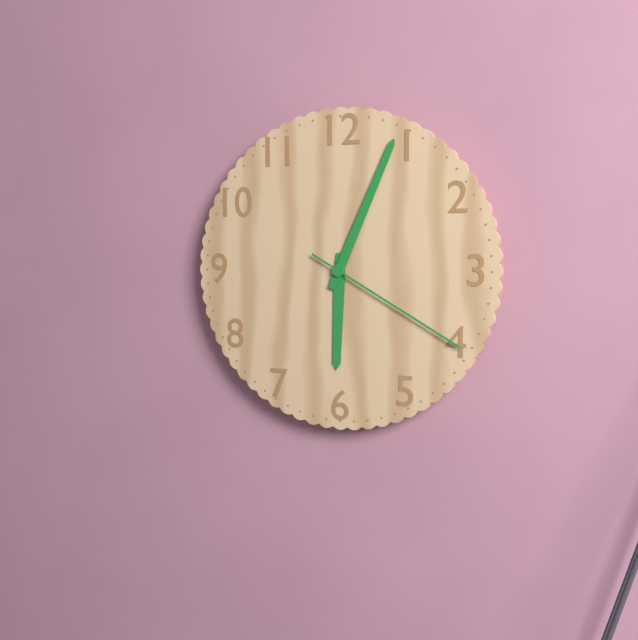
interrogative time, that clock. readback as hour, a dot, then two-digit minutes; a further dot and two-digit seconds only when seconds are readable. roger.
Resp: 6.04.20
